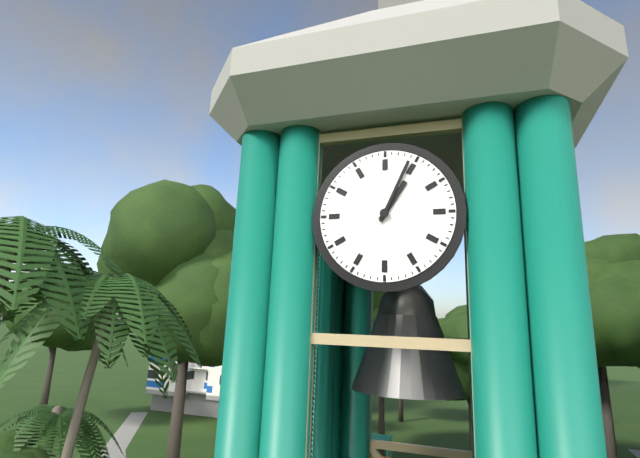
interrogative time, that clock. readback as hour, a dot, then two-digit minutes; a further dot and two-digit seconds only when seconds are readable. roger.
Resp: 1.04
